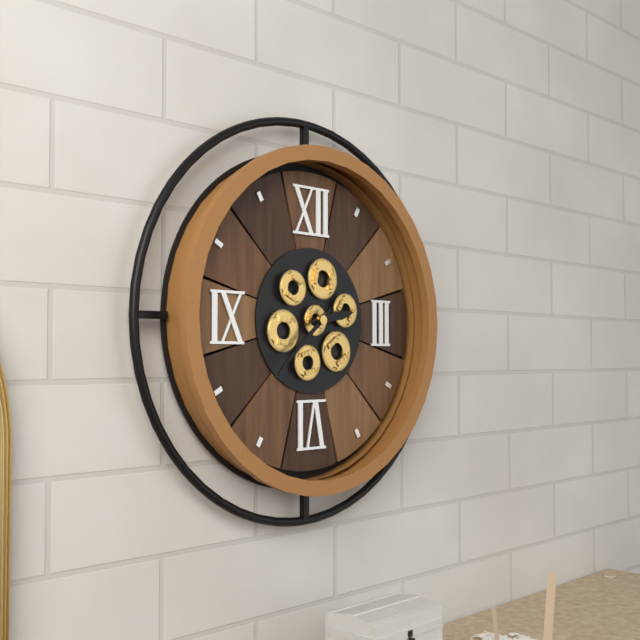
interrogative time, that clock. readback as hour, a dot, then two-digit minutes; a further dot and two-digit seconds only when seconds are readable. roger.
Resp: 2.38
